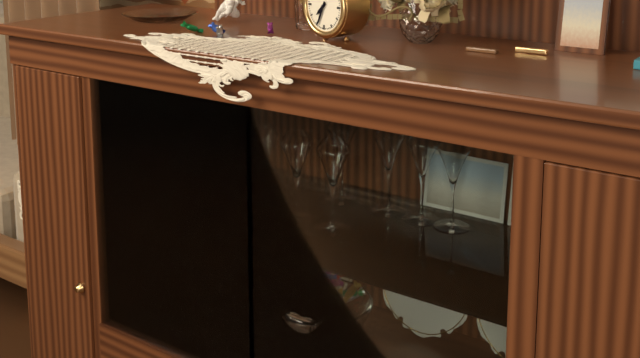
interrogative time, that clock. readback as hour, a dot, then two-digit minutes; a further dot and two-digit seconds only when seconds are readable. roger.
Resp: 7.34
